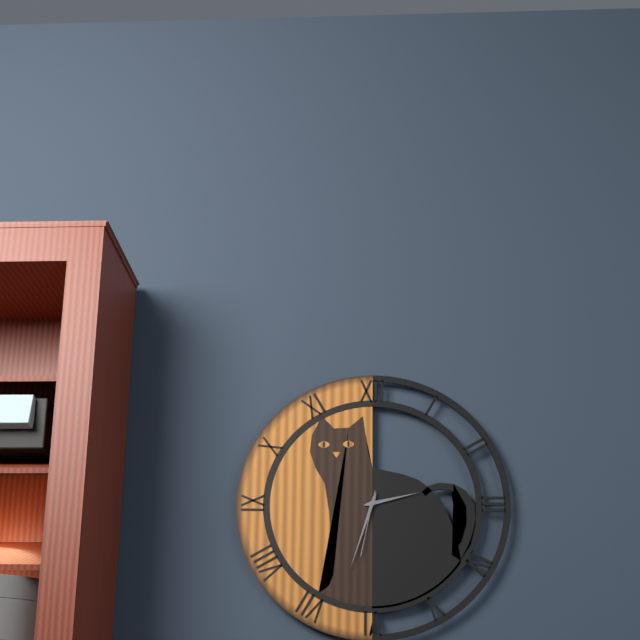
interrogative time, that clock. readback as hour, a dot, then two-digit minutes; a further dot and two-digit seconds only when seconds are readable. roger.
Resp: 2.33.32
